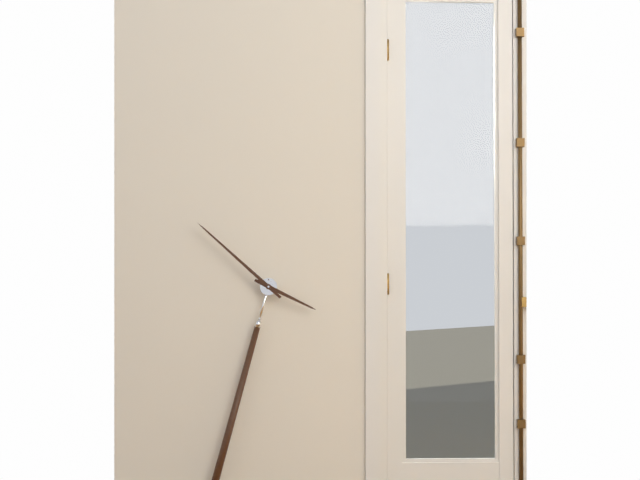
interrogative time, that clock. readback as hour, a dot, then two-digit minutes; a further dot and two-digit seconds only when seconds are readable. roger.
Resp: 3.52
